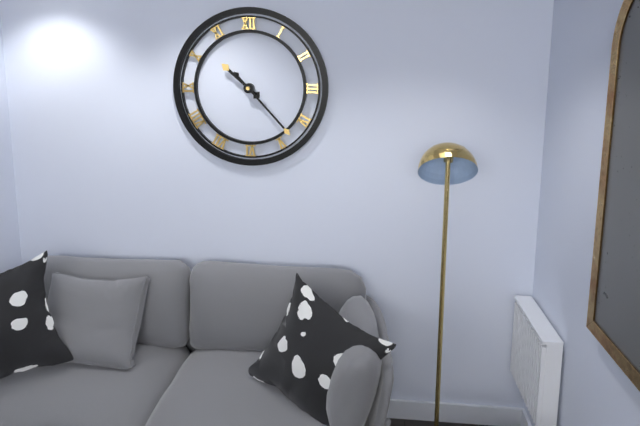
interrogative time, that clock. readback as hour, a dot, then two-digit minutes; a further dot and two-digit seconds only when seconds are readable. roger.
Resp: 10.23
